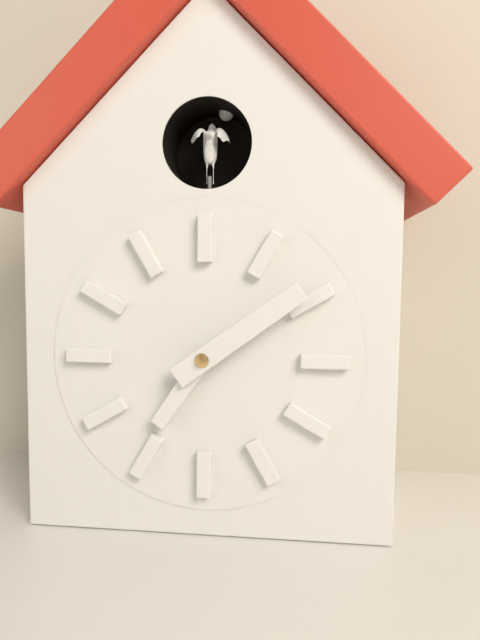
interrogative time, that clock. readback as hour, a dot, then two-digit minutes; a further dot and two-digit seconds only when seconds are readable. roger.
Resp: 7.09
